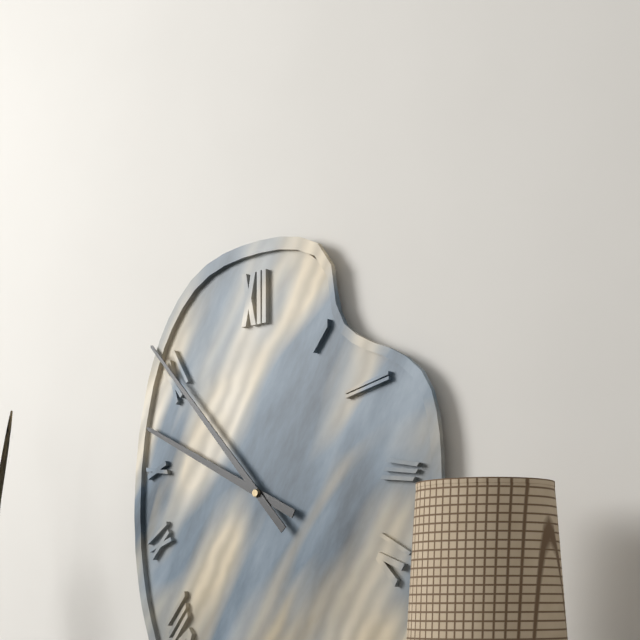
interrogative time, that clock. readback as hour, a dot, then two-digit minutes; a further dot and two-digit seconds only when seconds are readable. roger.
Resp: 9.53
